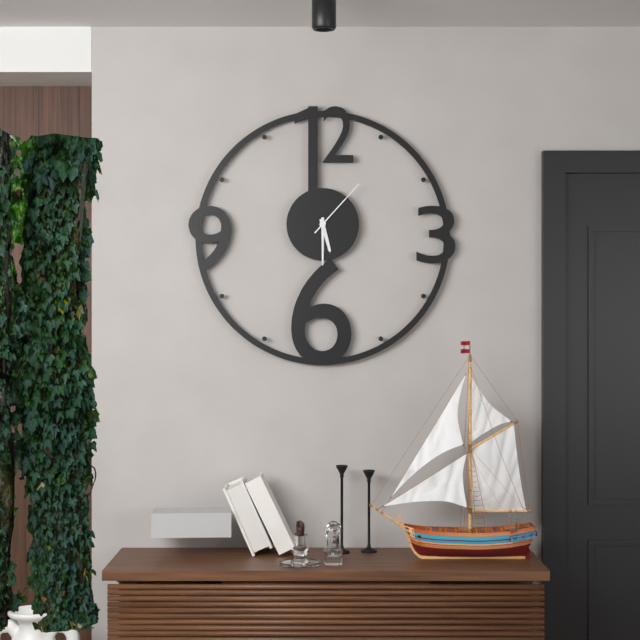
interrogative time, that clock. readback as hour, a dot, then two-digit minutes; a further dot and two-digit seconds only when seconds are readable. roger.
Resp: 5.30.07
